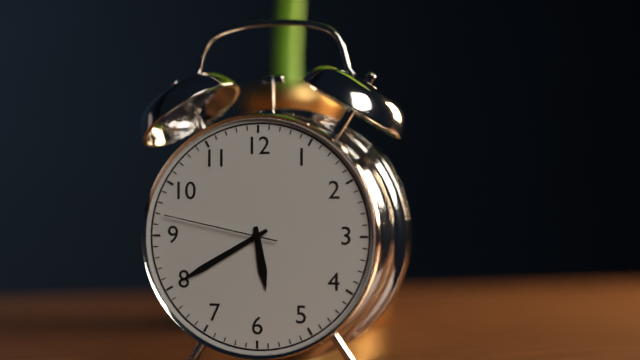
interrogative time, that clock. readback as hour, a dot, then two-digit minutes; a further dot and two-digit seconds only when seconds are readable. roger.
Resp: 5.40.47
